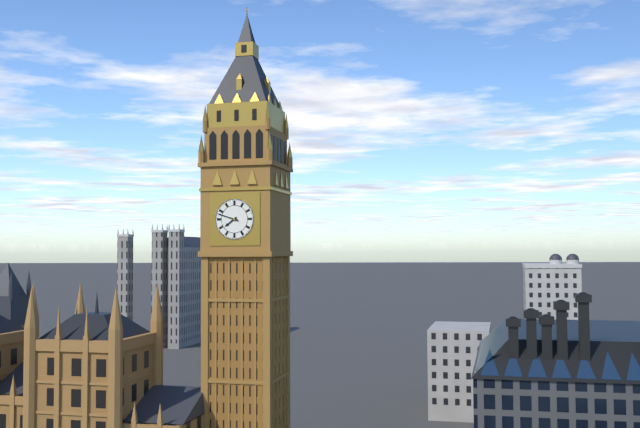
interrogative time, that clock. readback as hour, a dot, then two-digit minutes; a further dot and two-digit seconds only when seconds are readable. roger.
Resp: 7.48
